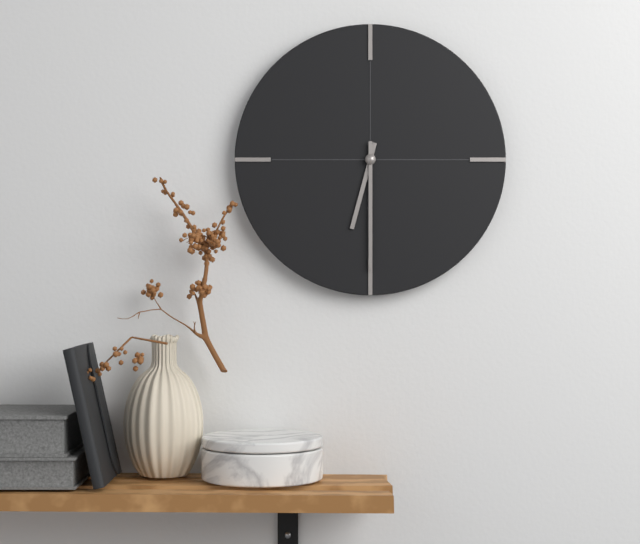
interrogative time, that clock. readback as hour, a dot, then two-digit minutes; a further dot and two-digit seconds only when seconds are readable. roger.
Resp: 6.30
